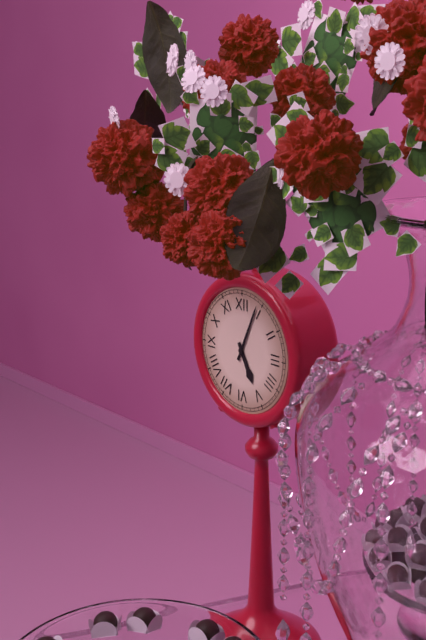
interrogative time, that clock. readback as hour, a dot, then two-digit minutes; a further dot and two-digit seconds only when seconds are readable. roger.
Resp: 5.04
